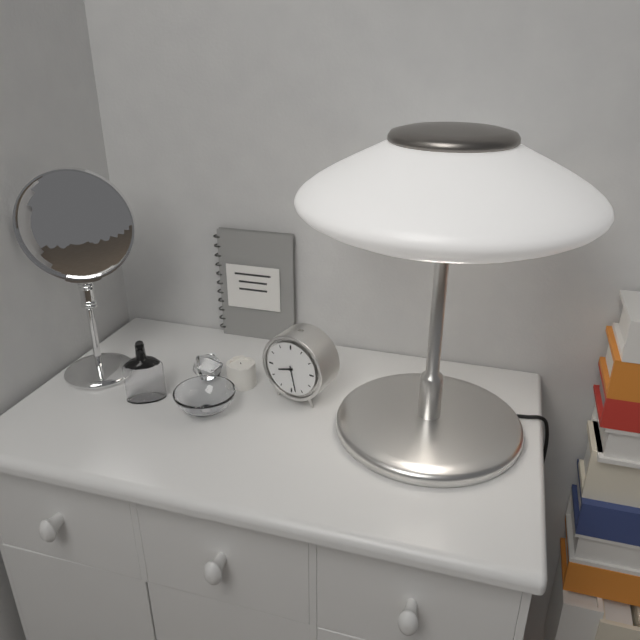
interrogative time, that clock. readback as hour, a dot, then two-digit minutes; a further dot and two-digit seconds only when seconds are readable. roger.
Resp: 8.28
